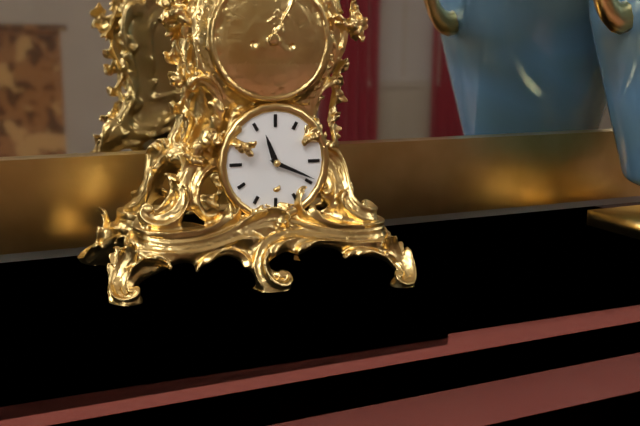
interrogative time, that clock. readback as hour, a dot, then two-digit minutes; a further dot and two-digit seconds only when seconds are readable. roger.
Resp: 11.19
